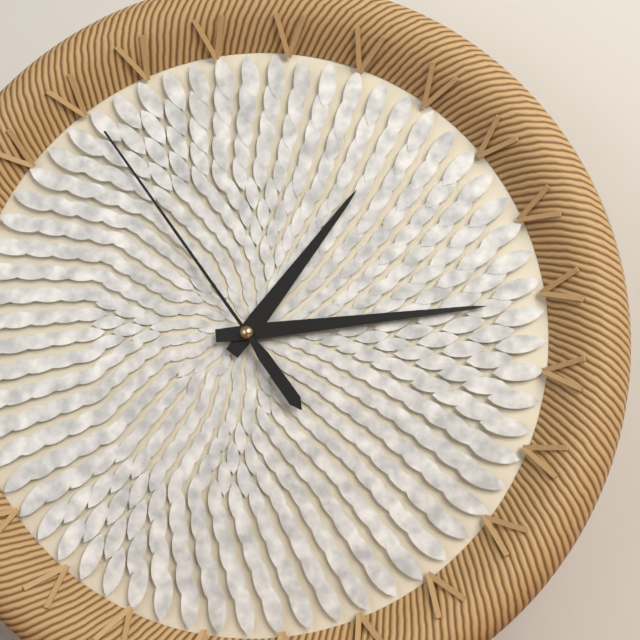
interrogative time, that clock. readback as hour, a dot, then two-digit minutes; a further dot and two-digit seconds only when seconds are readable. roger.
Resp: 1.14.54
